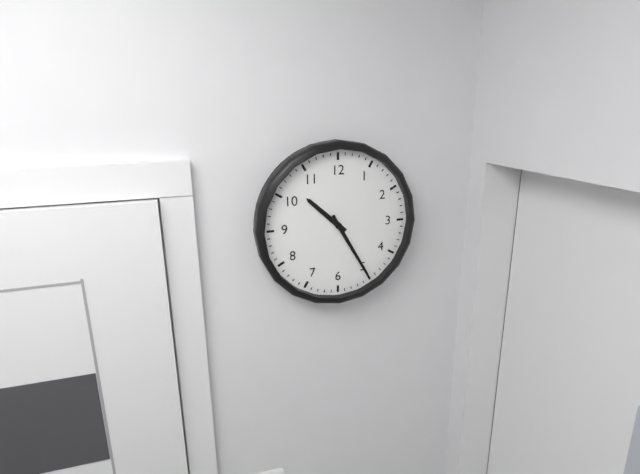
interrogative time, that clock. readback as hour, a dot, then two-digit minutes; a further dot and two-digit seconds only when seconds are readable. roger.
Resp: 10.25
